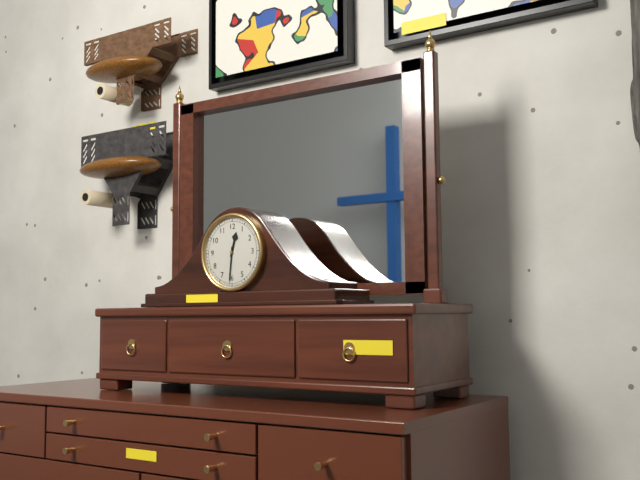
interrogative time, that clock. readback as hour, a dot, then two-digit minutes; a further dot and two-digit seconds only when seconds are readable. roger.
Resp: 12.31
